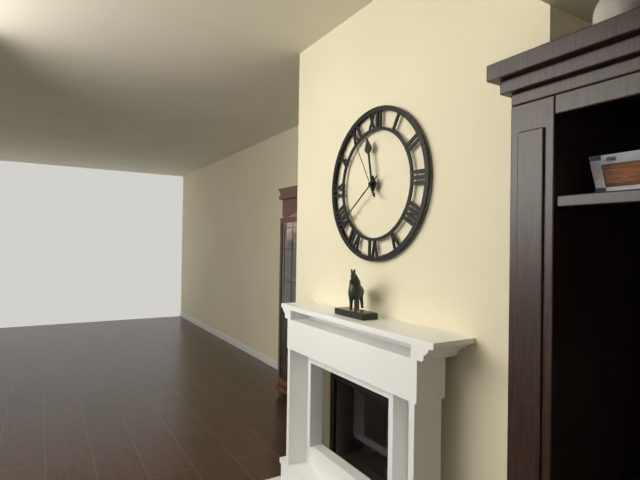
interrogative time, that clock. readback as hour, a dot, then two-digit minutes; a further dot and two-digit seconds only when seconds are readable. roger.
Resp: 11.39.55
